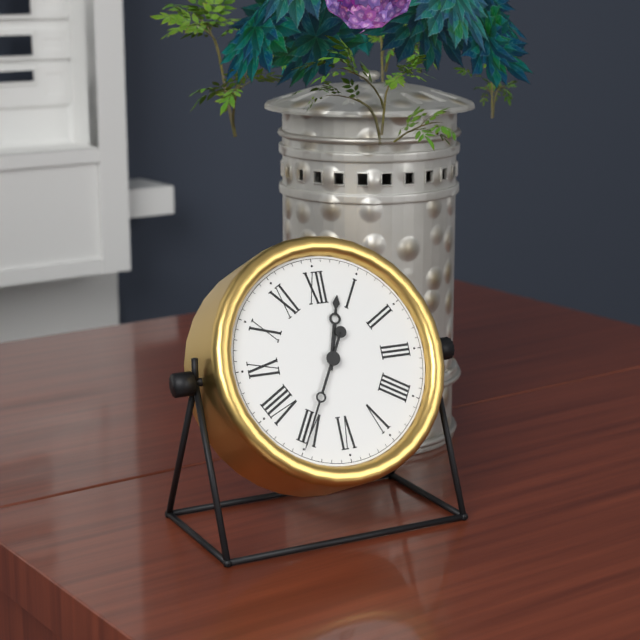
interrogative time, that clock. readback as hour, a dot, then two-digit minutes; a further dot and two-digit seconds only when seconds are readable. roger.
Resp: 12.35
